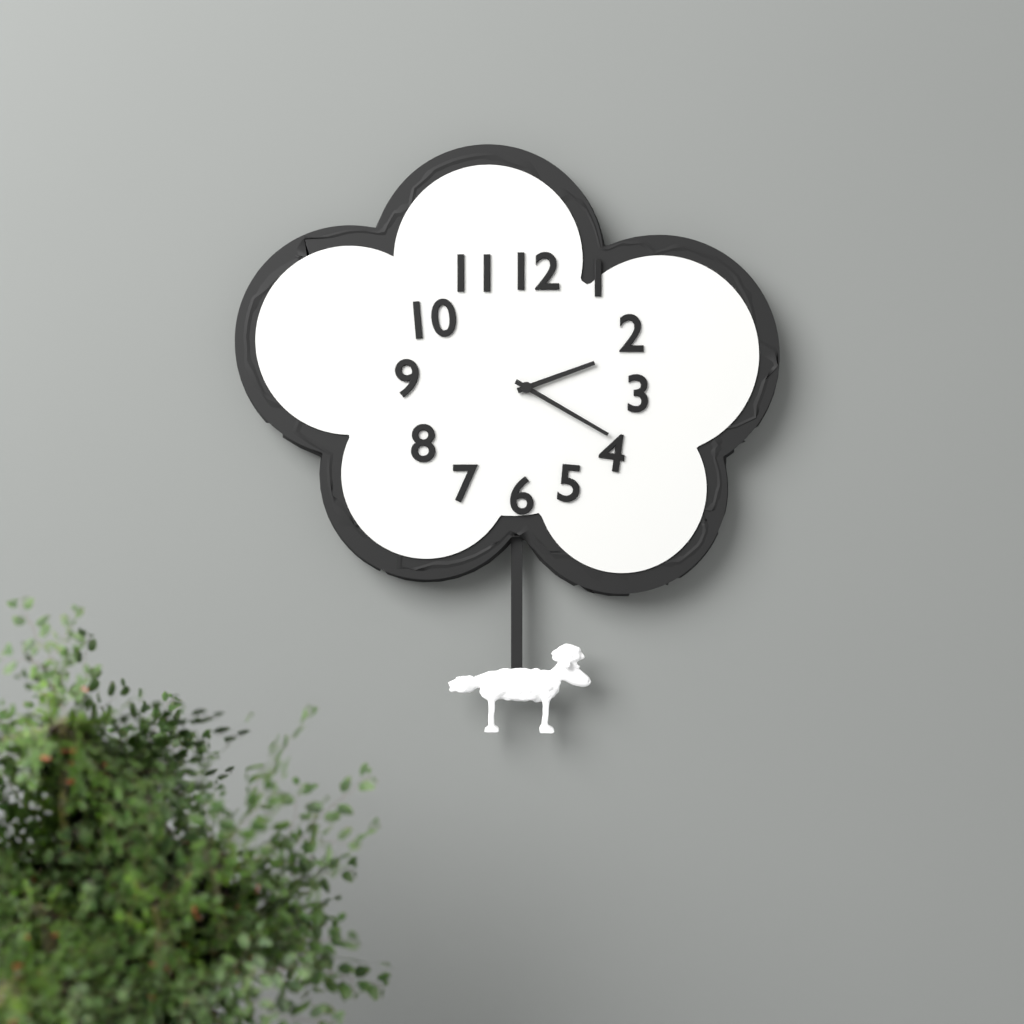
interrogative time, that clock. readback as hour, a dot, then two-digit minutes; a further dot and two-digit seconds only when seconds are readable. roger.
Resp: 2.20
